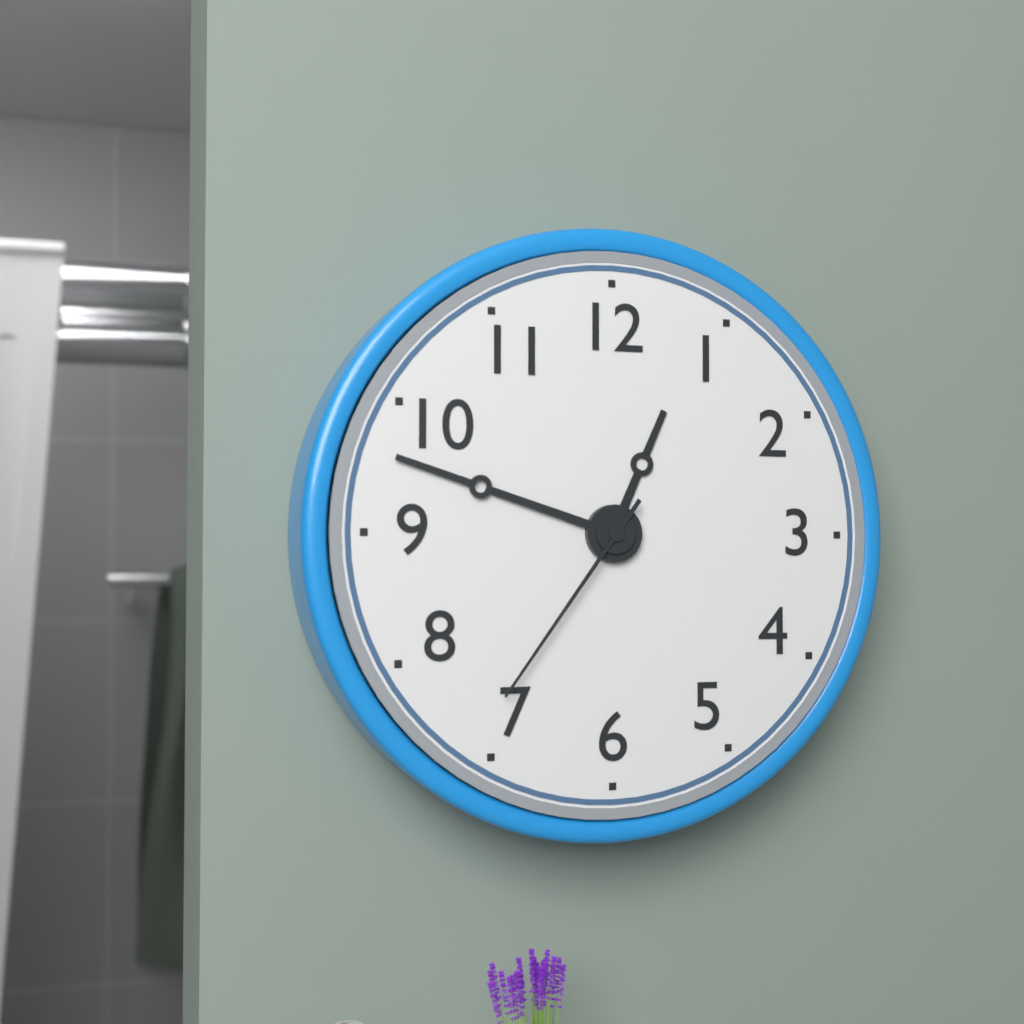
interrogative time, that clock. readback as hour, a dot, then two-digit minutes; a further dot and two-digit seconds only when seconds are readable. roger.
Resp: 12.48.36
